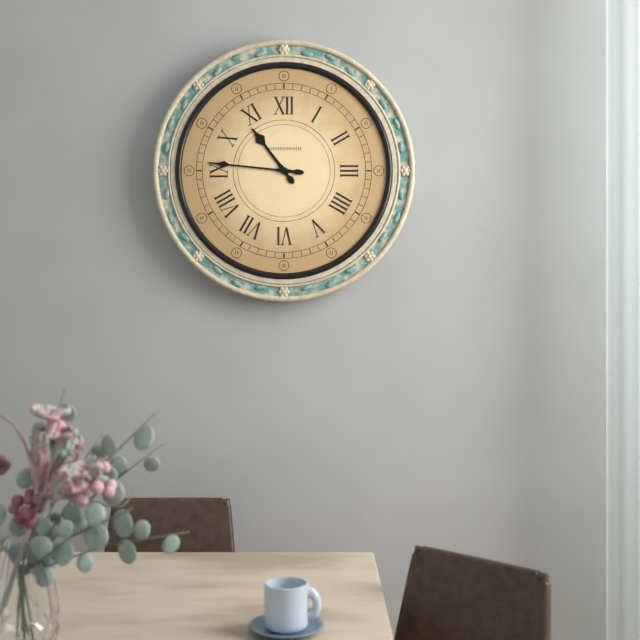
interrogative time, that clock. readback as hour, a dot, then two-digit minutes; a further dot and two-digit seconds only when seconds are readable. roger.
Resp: 10.46
